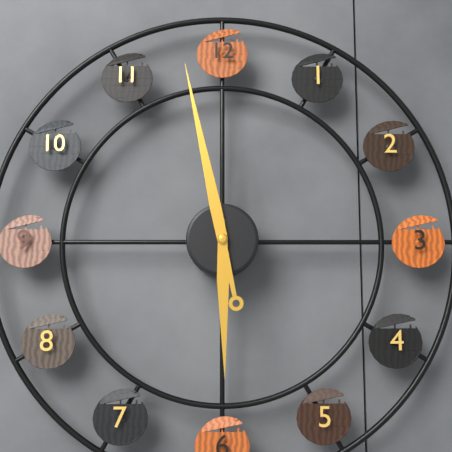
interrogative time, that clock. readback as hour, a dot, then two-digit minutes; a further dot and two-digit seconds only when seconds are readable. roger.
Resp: 5.58
